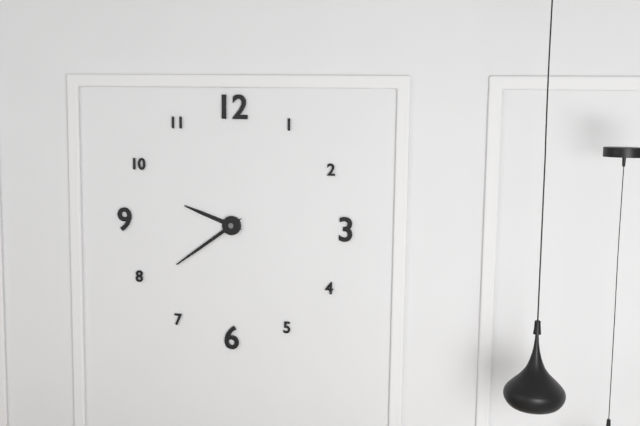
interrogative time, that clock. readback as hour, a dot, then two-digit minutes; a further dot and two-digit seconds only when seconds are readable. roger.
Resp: 9.39
